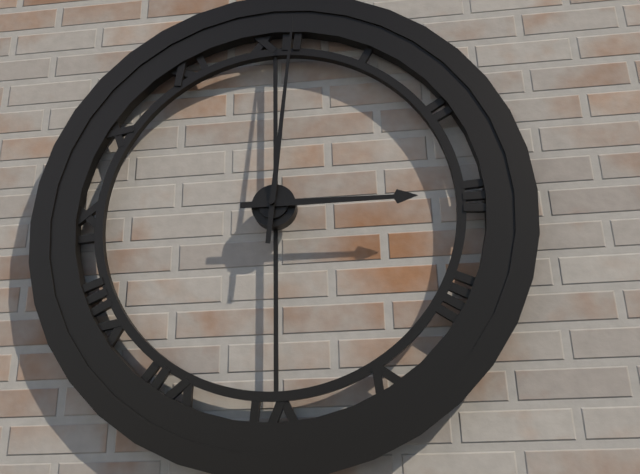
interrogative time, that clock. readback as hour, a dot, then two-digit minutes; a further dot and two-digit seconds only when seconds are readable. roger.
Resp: 3.01
